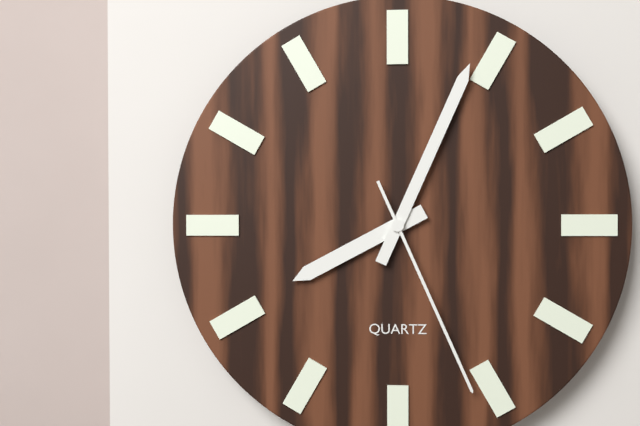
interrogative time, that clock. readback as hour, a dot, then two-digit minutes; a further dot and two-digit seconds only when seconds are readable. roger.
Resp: 8.04.26
